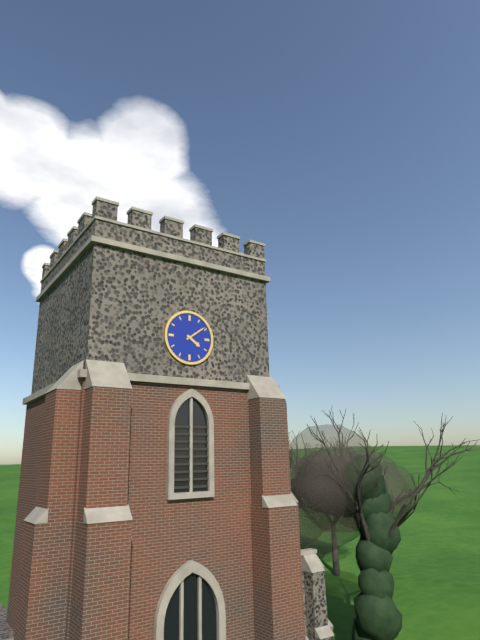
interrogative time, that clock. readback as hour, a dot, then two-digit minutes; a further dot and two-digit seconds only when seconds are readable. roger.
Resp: 4.09
